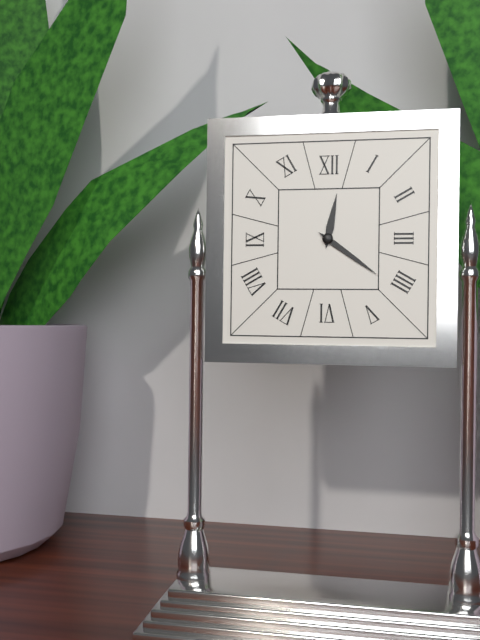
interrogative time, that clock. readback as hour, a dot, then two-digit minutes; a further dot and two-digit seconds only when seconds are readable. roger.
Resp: 12.21
